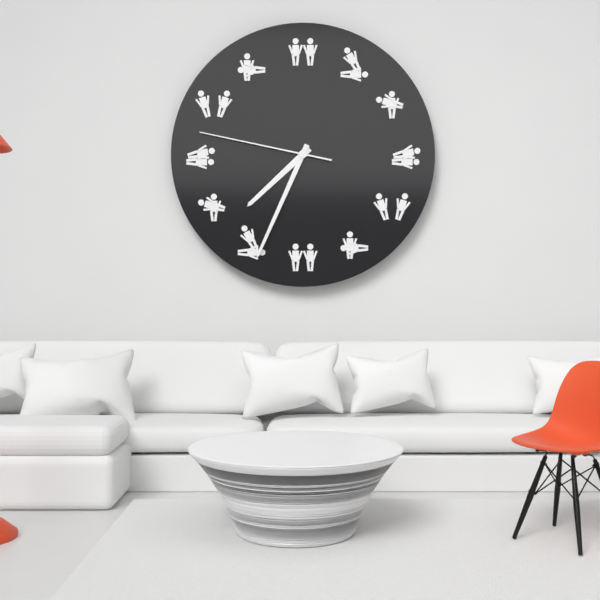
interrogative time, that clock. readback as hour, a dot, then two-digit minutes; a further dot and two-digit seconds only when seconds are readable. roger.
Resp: 7.34.47
